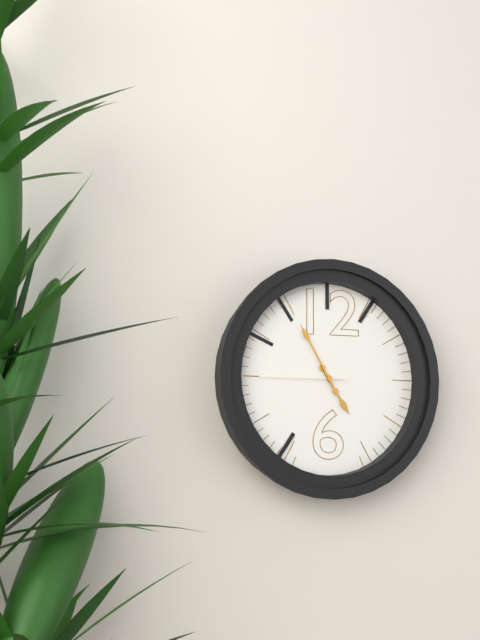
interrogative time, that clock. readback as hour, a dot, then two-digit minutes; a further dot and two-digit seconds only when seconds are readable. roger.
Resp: 4.55.45
